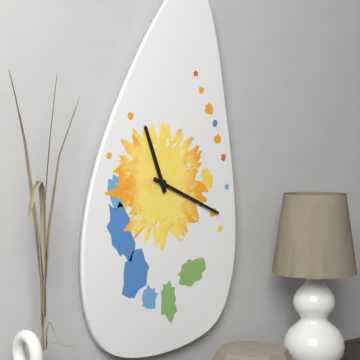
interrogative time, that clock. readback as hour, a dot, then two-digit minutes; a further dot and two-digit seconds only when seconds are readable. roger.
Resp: 11.19
